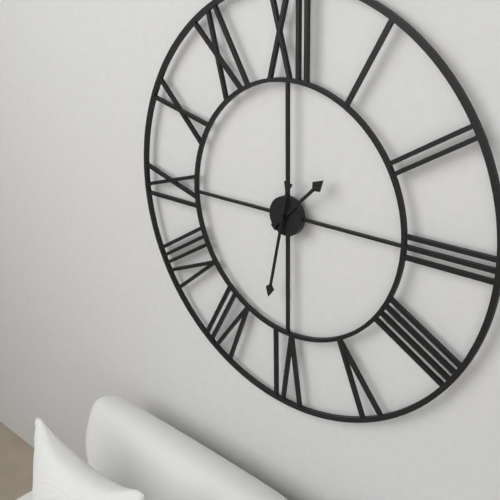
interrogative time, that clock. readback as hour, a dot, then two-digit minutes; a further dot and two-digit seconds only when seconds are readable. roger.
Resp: 1.32
